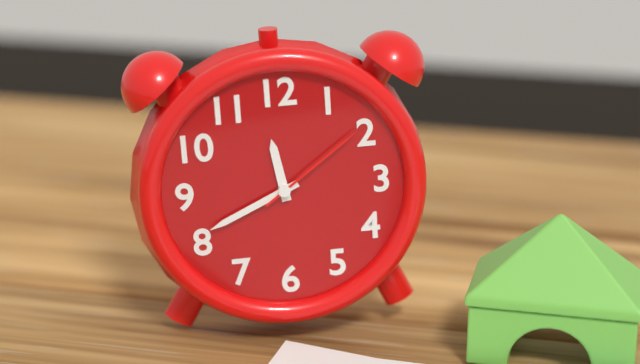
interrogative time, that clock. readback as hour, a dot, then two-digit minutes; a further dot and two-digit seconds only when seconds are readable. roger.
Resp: 11.41.09
